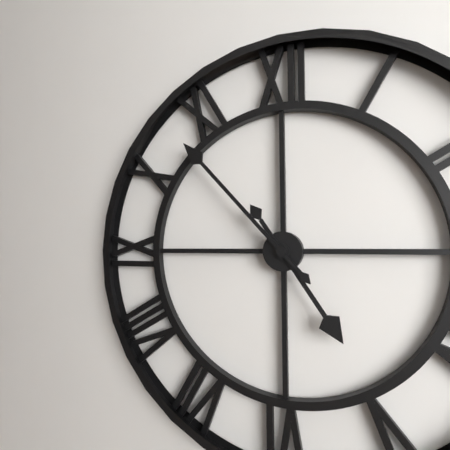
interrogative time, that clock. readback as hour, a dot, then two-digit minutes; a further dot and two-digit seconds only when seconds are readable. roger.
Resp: 4.53
